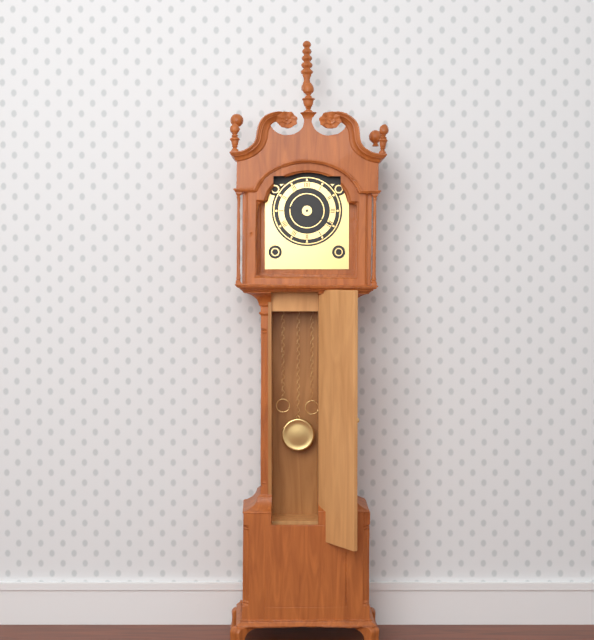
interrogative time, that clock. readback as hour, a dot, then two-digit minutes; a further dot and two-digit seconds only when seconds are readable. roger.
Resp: 9.20
